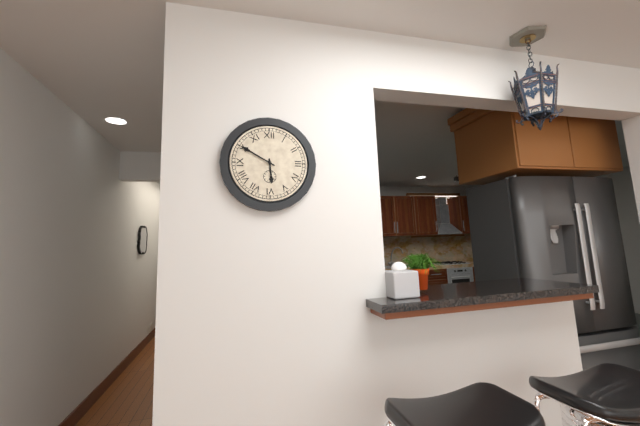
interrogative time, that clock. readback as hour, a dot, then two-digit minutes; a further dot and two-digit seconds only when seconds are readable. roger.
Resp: 5.50
